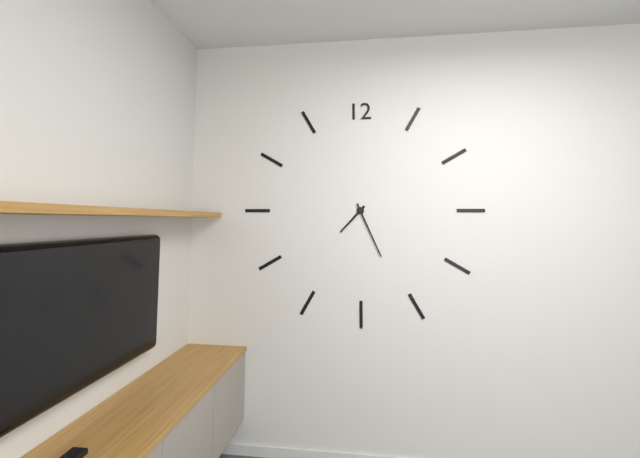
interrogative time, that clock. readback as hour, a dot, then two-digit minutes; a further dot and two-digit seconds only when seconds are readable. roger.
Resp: 7.26
